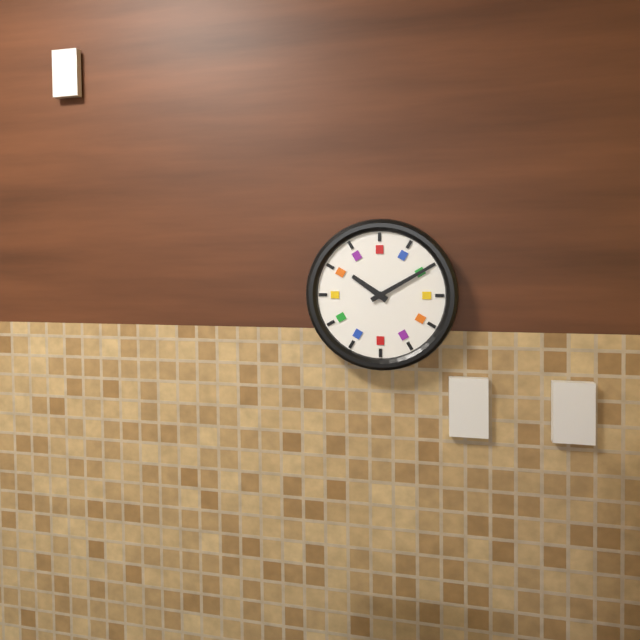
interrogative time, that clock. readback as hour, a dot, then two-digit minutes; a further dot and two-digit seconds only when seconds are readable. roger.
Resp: 10.10
